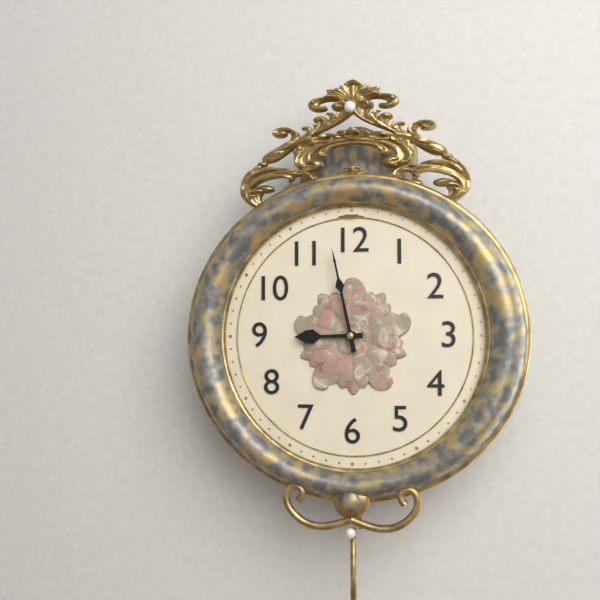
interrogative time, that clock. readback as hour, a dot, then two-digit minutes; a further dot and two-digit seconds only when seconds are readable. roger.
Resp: 8.58
